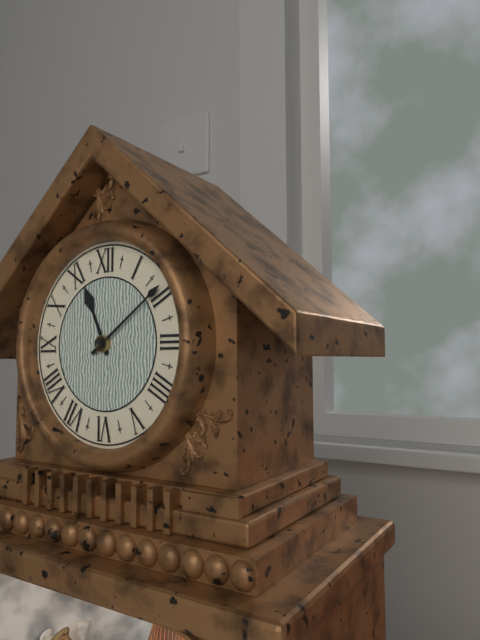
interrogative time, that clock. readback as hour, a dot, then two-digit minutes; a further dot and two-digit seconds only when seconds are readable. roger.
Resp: 11.09
